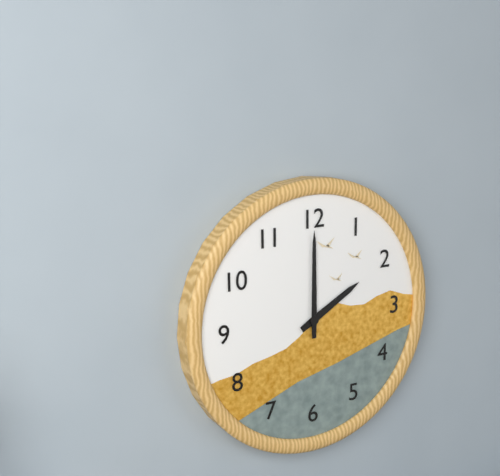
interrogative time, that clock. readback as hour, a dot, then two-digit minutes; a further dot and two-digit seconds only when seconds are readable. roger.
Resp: 2.00
